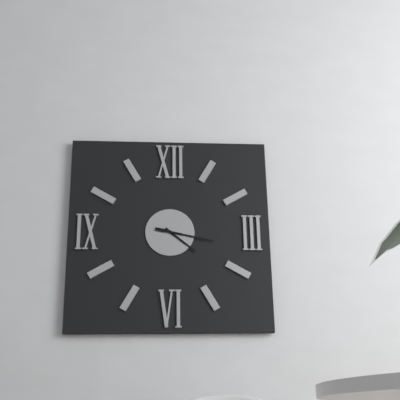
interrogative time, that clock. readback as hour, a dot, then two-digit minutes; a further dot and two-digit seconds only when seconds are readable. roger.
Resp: 4.17
